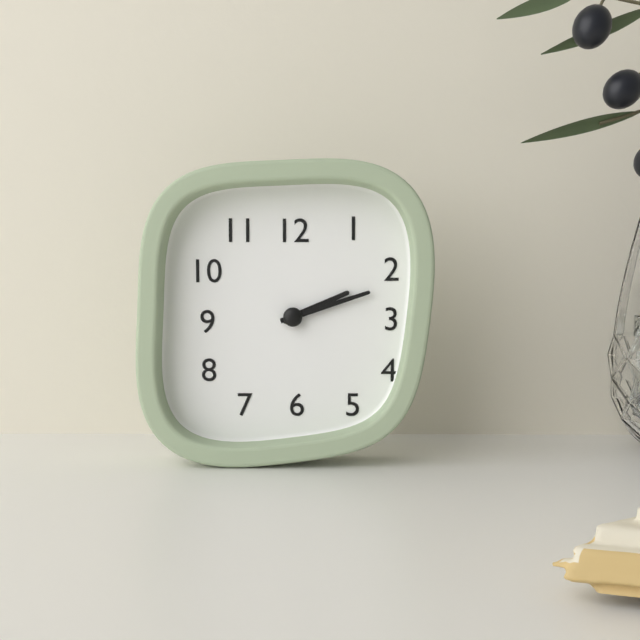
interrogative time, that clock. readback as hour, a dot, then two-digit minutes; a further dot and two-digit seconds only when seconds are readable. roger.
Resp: 2.12
